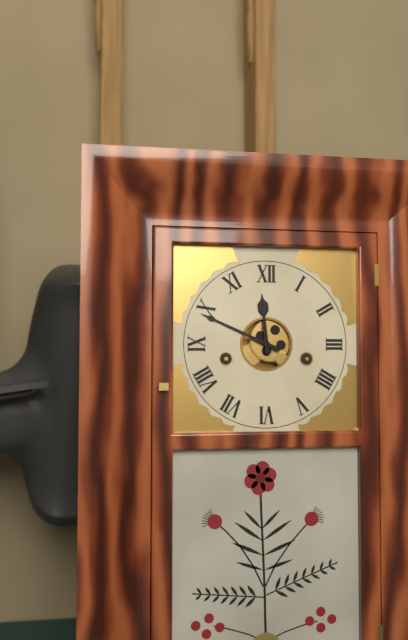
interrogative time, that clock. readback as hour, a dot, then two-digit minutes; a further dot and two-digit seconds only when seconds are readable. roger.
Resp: 11.49
